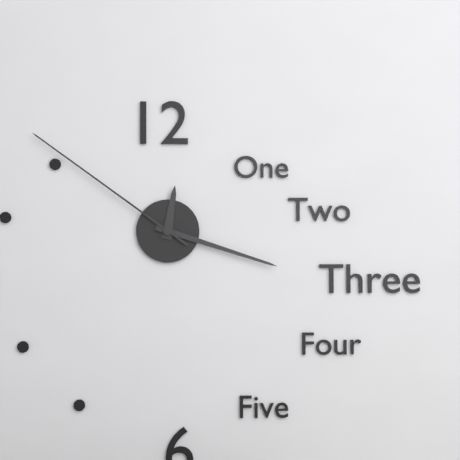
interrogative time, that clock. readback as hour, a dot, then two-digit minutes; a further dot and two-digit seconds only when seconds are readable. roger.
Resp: 12.18.51
